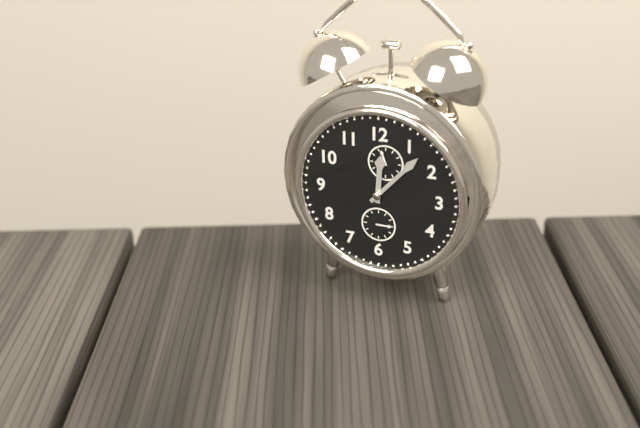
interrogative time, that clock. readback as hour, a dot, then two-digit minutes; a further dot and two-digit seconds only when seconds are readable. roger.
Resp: 12.07
